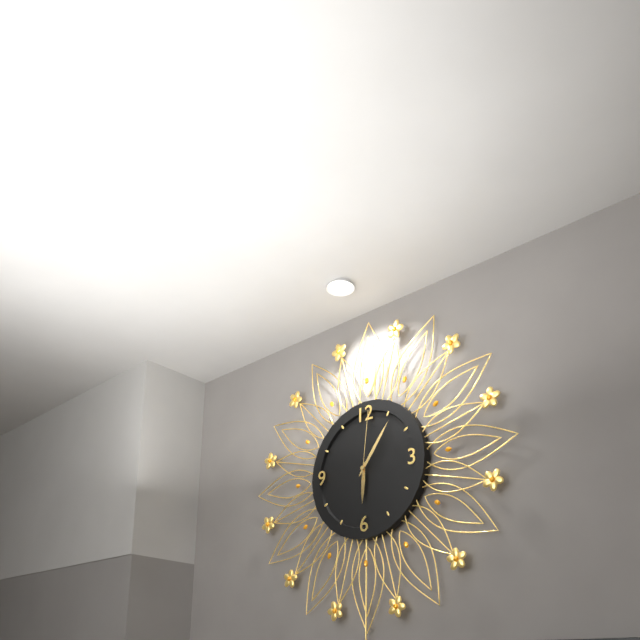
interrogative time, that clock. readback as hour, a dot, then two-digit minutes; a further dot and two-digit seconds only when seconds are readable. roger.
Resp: 6.06.01
